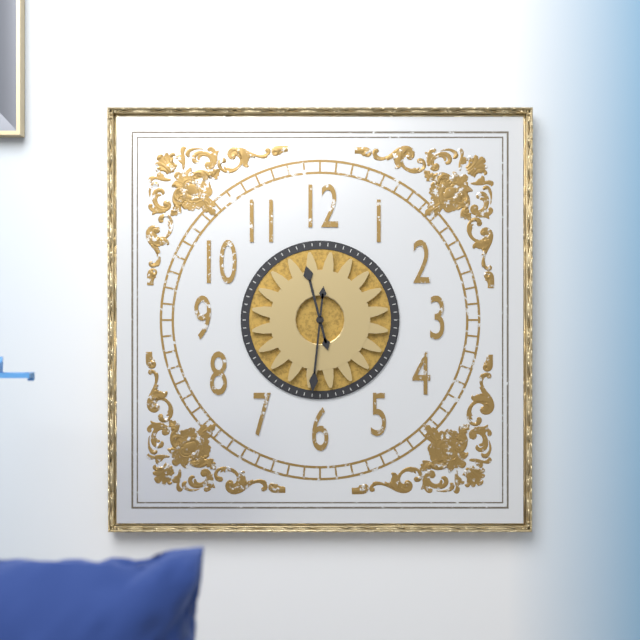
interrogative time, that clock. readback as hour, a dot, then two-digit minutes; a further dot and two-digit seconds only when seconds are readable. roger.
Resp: 11.31
